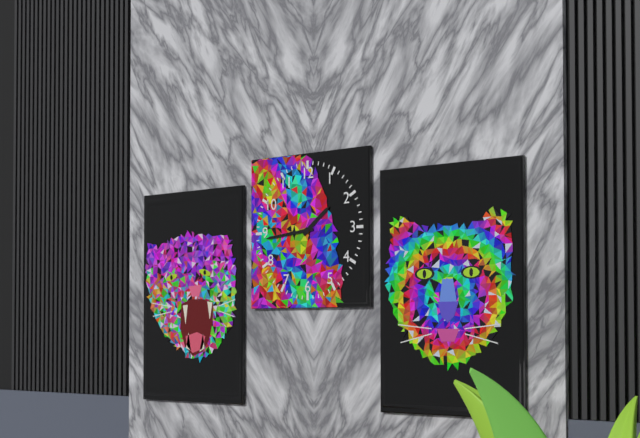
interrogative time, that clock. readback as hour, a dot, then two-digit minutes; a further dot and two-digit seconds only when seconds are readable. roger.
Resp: 1.44
